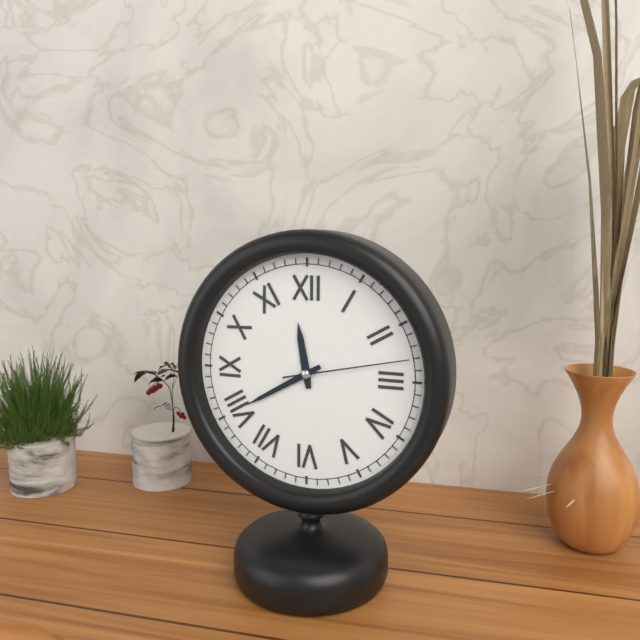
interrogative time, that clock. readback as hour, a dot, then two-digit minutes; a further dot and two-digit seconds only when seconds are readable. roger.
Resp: 11.40.13
